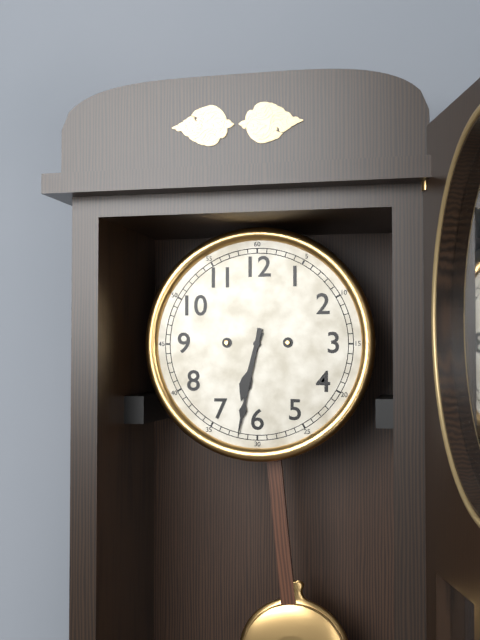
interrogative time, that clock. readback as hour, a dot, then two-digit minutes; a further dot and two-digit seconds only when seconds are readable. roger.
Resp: 6.32
